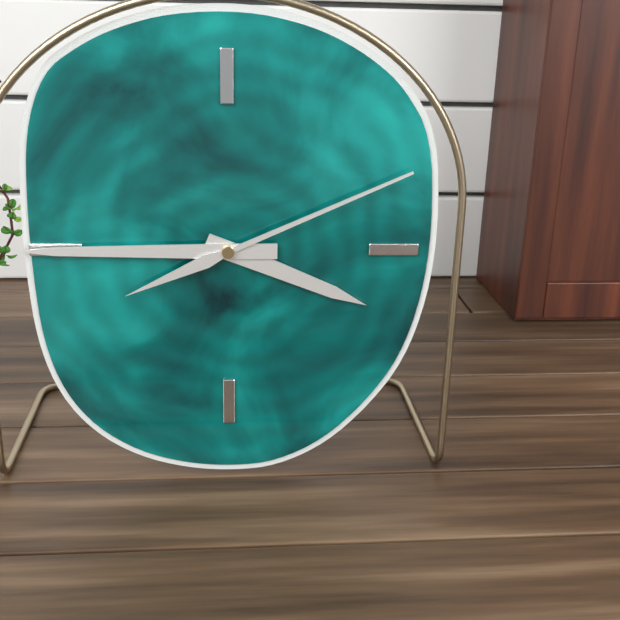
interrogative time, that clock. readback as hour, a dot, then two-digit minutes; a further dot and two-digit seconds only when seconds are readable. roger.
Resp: 3.45.11
